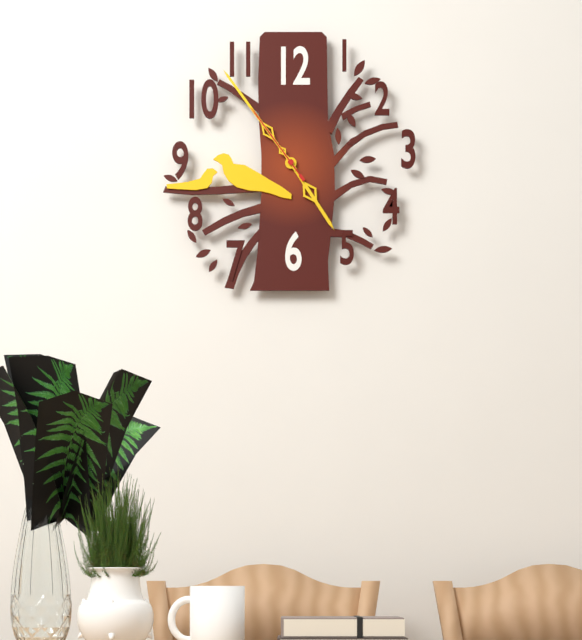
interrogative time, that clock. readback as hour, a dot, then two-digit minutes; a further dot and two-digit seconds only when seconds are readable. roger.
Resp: 4.54.54
